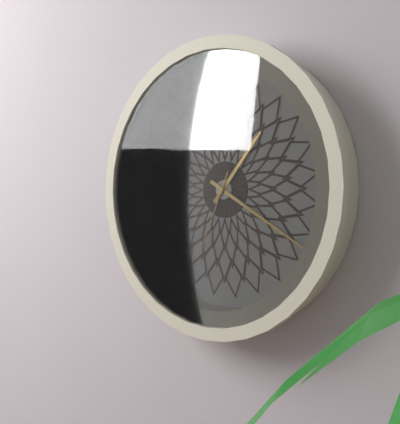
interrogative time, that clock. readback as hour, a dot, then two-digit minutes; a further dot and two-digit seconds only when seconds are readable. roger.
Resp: 1.20.34
